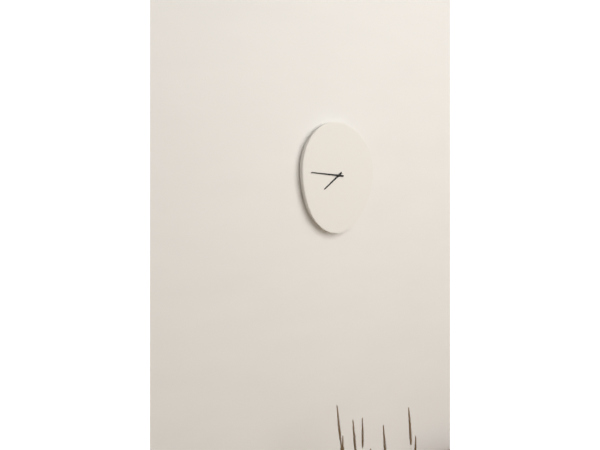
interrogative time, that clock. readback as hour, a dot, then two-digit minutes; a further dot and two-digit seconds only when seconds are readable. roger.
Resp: 7.46
